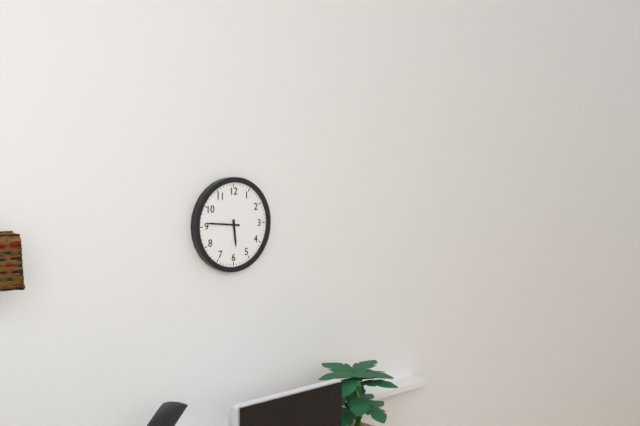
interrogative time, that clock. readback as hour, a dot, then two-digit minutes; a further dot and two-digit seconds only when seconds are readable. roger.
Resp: 5.46
